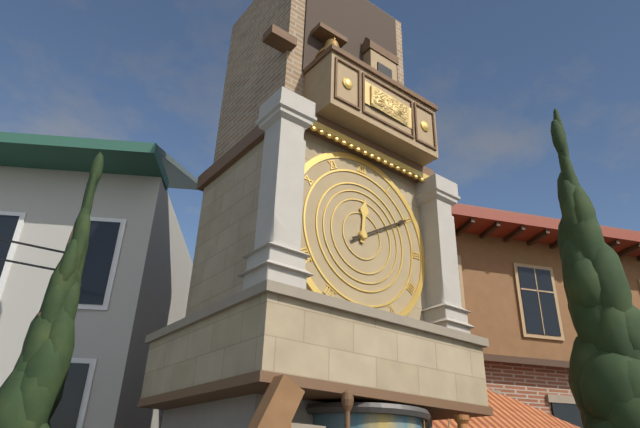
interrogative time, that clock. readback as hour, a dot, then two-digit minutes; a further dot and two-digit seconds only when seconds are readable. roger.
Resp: 12.10
